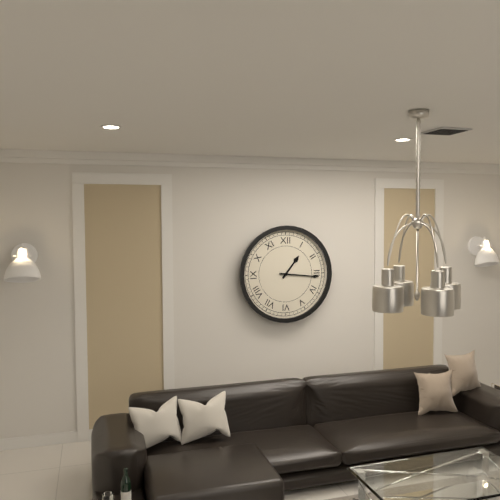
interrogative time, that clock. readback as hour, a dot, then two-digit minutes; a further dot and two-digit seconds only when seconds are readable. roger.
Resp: 1.16
